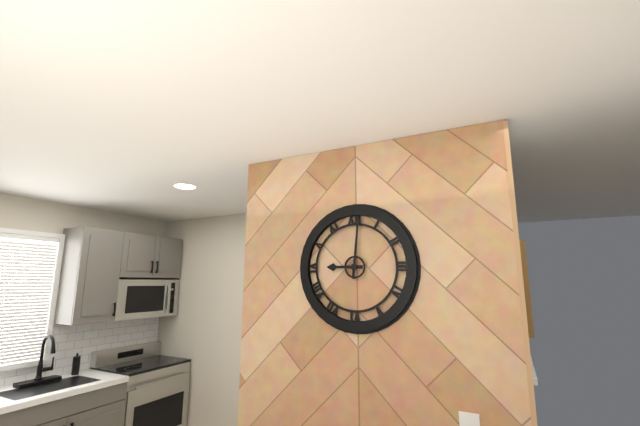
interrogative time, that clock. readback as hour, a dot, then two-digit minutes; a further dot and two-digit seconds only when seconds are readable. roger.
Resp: 9.01
